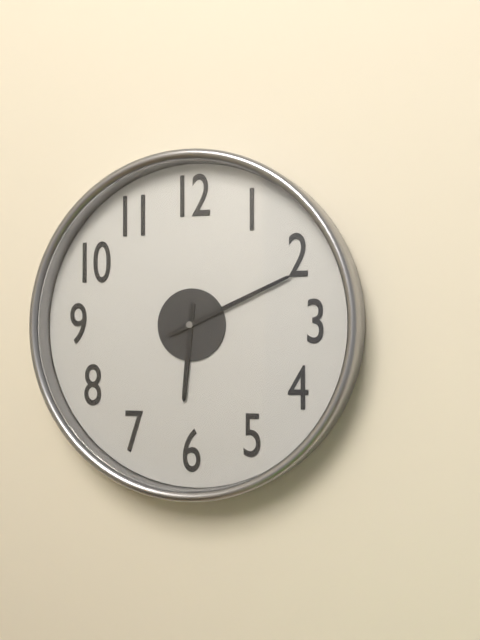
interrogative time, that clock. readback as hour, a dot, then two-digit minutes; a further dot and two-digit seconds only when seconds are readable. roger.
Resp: 6.11
